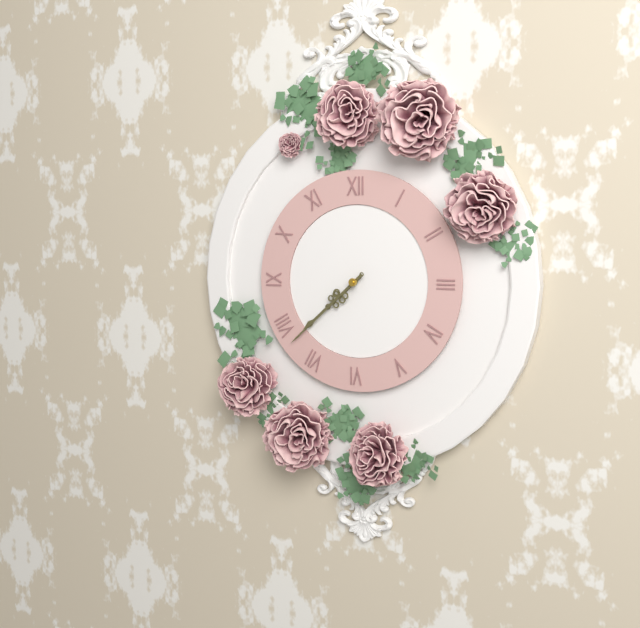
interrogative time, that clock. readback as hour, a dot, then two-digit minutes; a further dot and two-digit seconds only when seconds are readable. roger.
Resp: 7.38
